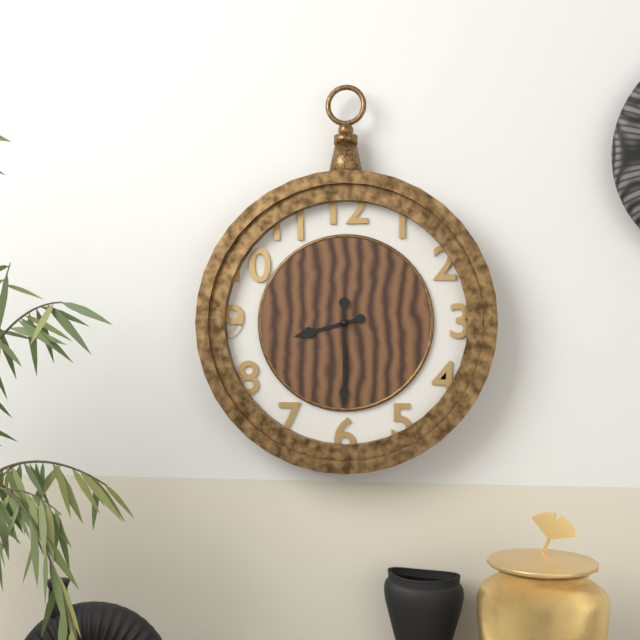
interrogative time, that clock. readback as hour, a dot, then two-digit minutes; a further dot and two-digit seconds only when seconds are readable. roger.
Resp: 8.30
